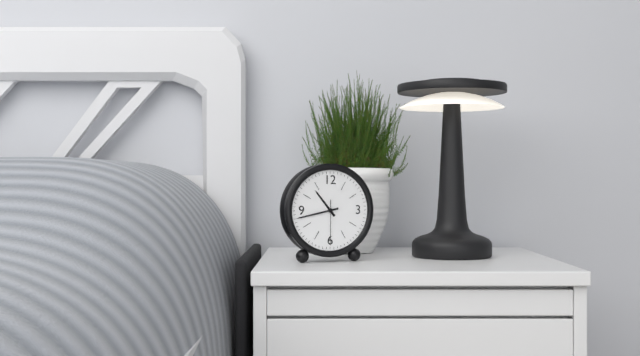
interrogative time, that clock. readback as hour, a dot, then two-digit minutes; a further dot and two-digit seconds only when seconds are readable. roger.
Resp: 10.43
